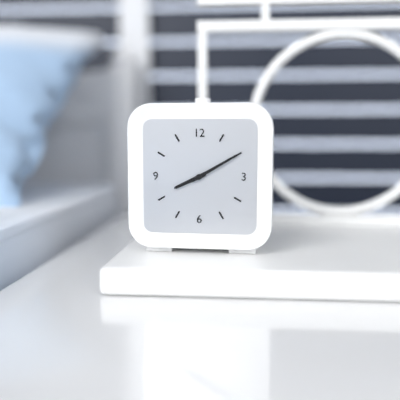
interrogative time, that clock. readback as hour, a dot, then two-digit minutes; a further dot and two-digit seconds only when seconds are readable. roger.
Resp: 8.10
